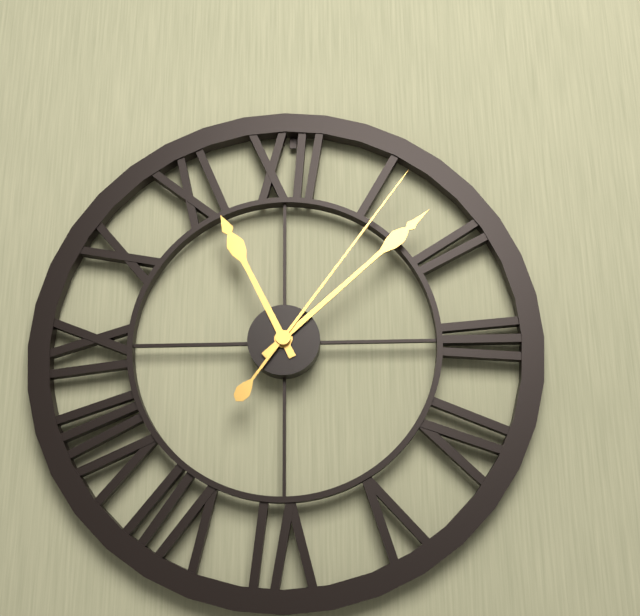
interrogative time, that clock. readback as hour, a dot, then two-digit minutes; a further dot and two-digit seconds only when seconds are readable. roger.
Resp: 11.08.06
